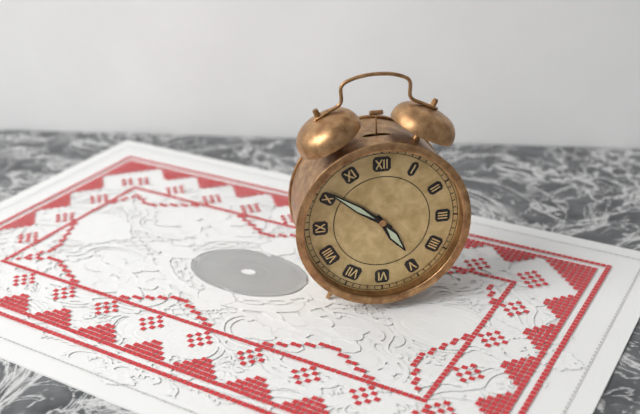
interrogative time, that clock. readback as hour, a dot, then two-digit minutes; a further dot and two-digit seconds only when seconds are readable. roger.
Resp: 4.51
